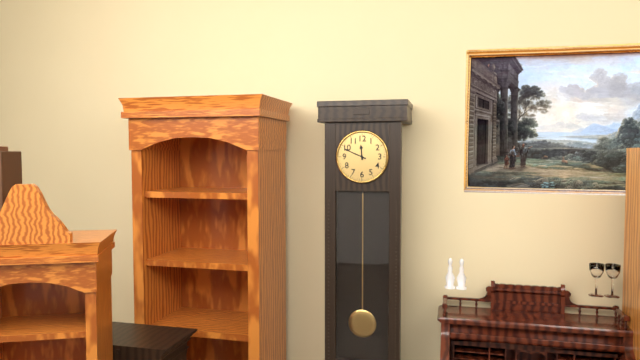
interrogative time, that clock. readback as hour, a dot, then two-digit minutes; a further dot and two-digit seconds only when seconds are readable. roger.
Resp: 11.49
